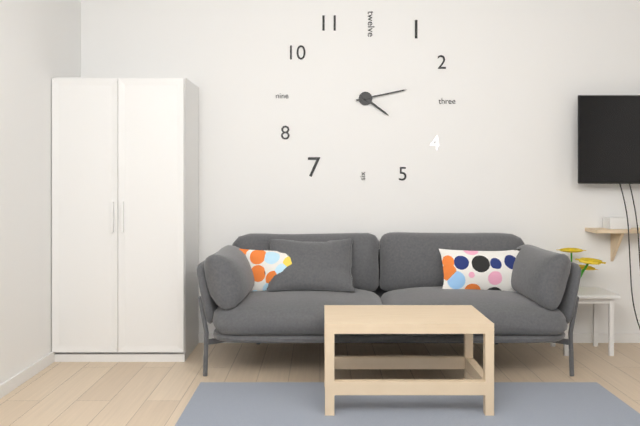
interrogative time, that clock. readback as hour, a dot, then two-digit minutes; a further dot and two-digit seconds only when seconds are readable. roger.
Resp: 4.13
